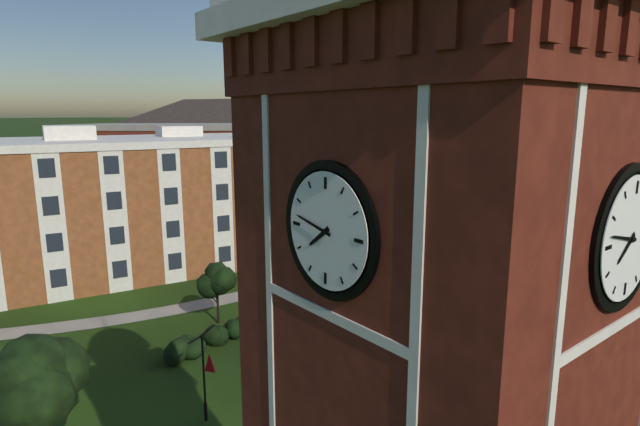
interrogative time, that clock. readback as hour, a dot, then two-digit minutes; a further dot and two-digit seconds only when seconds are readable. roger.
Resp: 7.47
